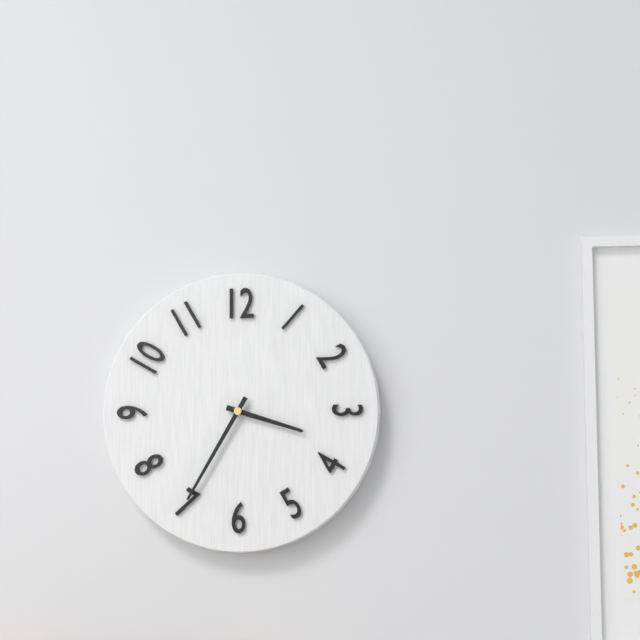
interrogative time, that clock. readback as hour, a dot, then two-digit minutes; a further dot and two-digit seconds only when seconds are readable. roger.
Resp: 3.35
